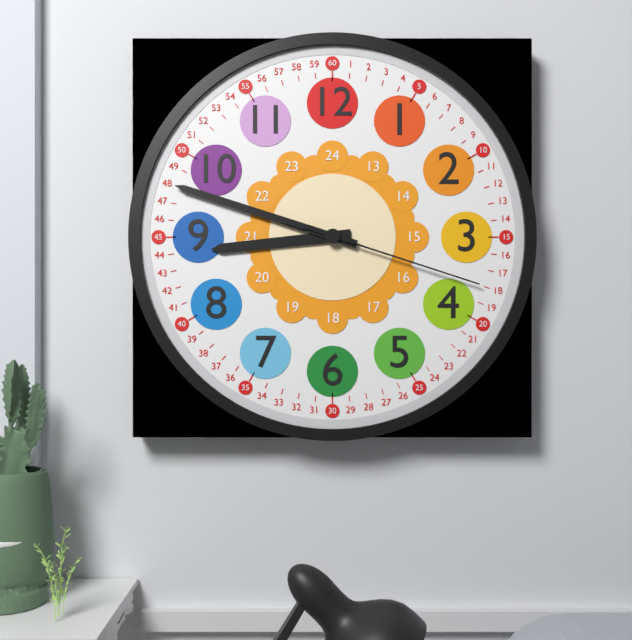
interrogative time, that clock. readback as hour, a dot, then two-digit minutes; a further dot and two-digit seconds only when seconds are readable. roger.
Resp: 8.48.18
